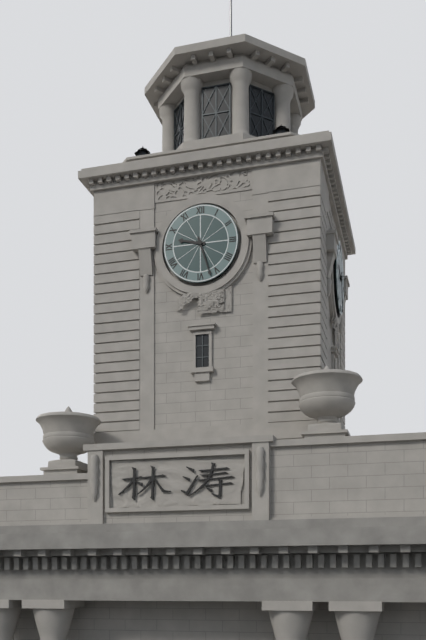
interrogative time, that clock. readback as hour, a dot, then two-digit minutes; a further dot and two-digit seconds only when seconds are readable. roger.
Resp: 9.27
